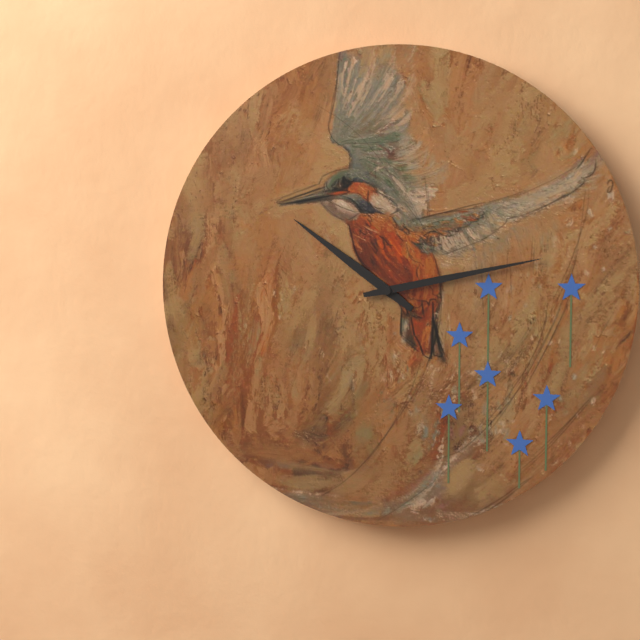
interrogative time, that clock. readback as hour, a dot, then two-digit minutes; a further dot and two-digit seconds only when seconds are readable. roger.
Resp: 10.13
